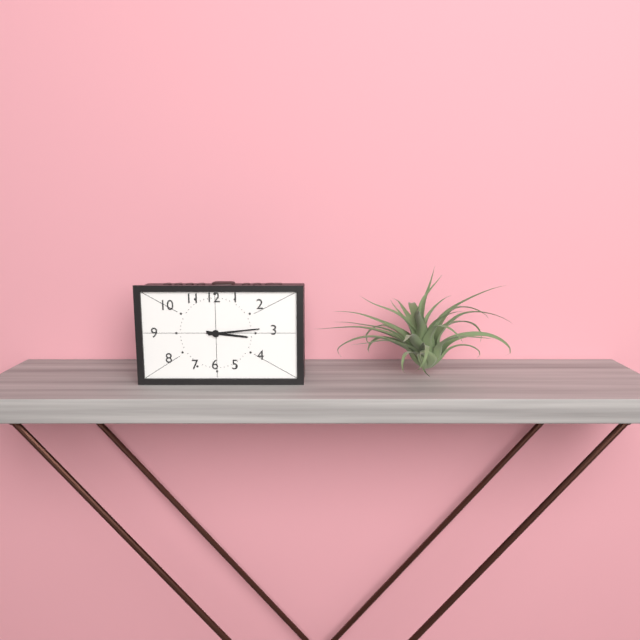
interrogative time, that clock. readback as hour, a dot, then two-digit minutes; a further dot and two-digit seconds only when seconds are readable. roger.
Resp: 3.14
